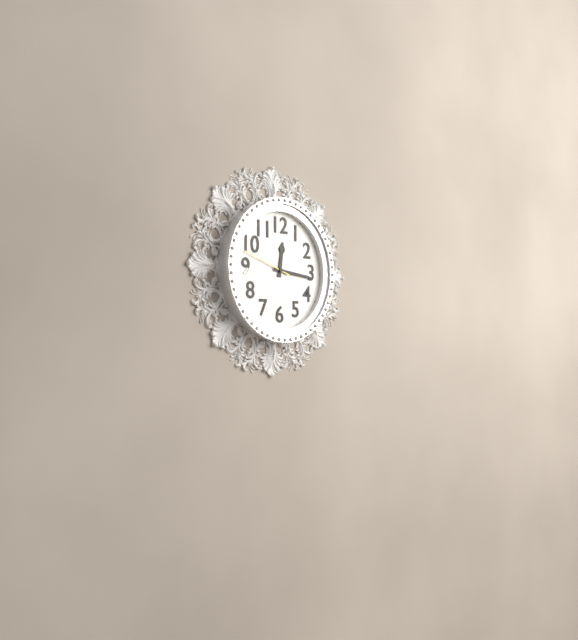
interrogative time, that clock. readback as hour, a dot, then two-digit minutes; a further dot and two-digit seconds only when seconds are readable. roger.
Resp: 12.16.48
